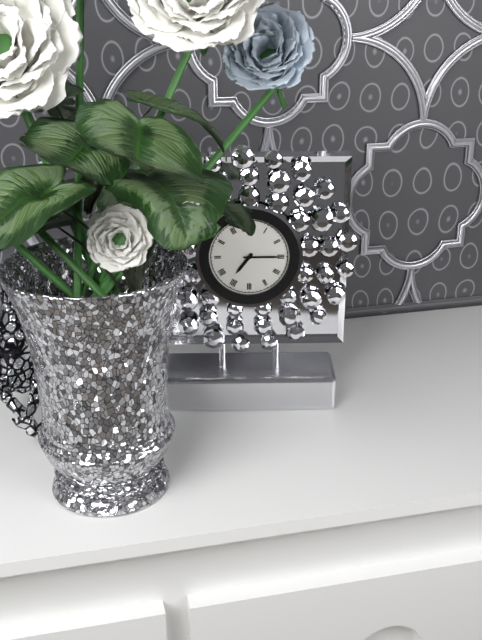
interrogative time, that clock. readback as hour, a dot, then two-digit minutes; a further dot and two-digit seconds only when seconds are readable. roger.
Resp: 7.15
